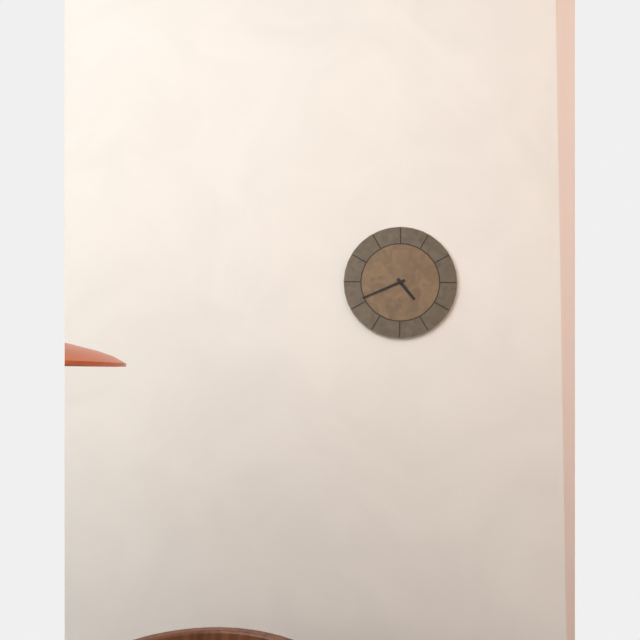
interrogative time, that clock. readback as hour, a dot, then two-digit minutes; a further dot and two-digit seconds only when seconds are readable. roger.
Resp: 4.41
